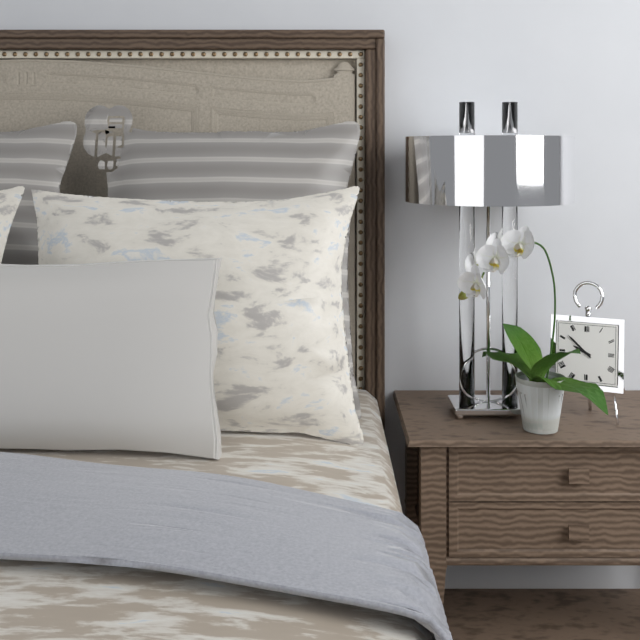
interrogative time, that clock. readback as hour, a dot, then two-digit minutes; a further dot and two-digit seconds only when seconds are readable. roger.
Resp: 9.52
